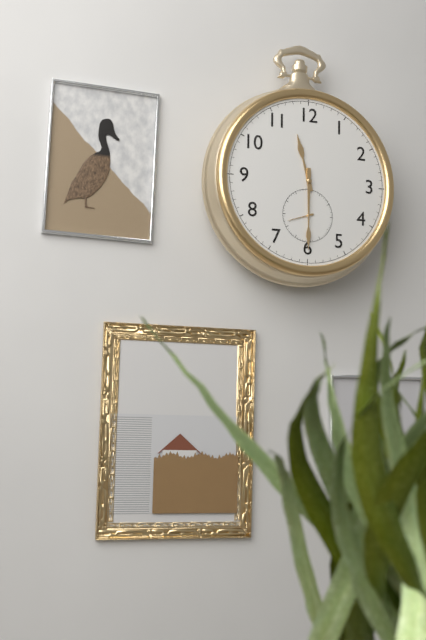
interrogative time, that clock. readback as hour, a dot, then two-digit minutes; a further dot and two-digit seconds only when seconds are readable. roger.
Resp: 11.30
